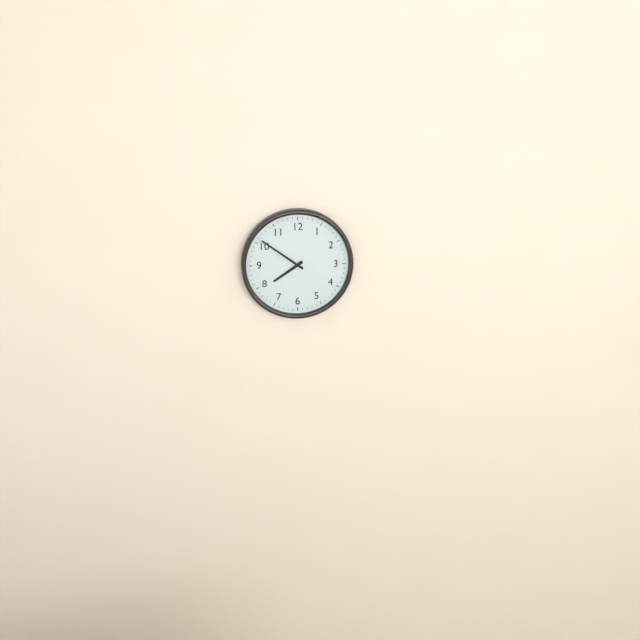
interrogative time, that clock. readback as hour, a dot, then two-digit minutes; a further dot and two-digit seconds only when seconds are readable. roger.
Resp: 7.51
